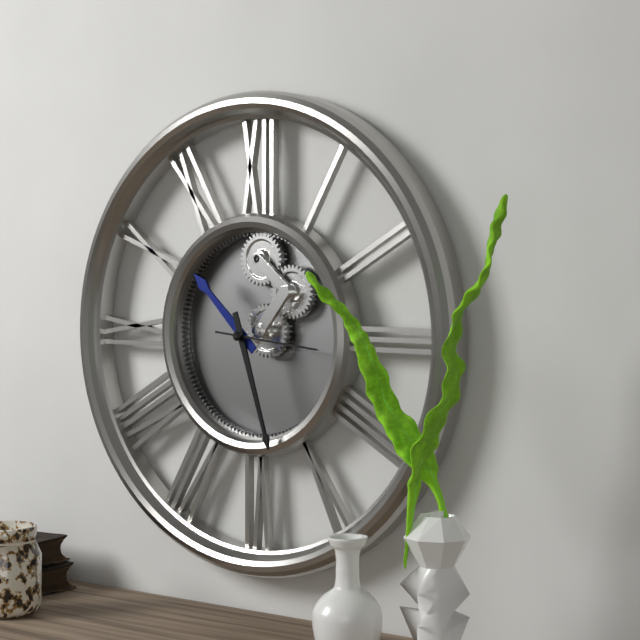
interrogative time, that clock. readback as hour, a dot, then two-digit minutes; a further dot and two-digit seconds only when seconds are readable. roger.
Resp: 10.27.16
